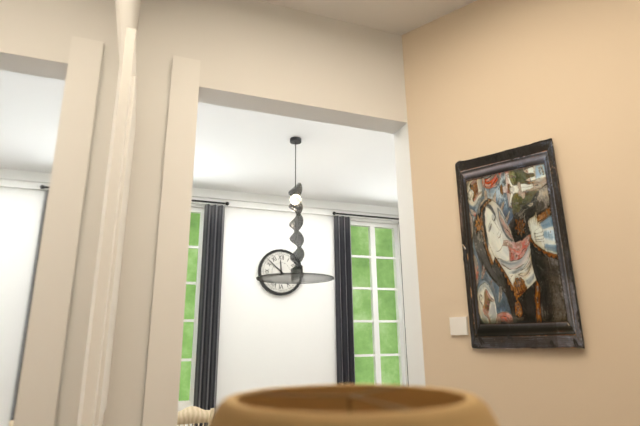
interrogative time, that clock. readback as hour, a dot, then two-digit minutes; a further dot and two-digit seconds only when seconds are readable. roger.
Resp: 11.52
